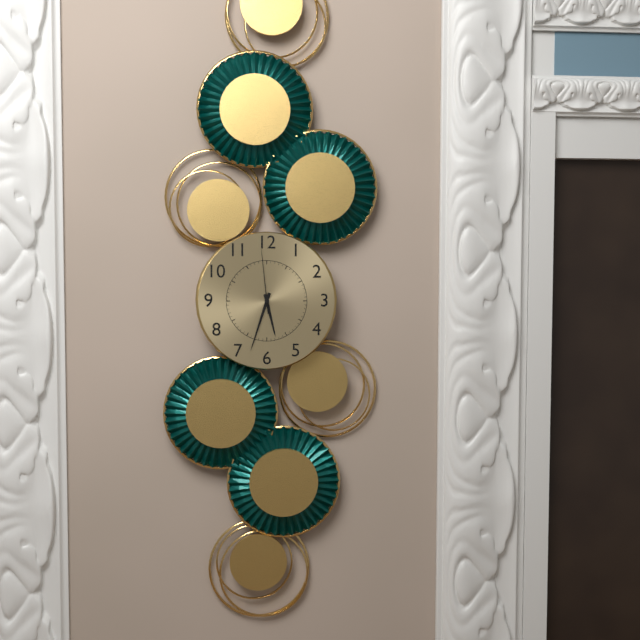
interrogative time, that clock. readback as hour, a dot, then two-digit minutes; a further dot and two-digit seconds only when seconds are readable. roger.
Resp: 5.33.59
